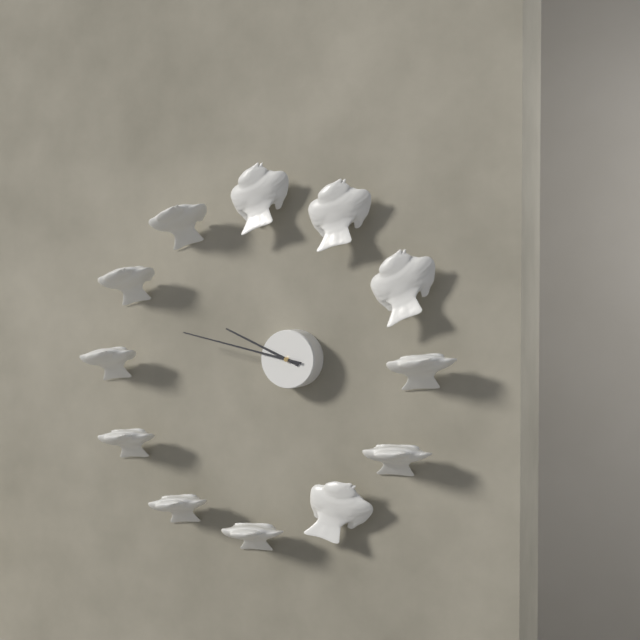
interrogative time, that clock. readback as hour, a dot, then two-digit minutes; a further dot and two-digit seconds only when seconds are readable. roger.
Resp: 9.47
